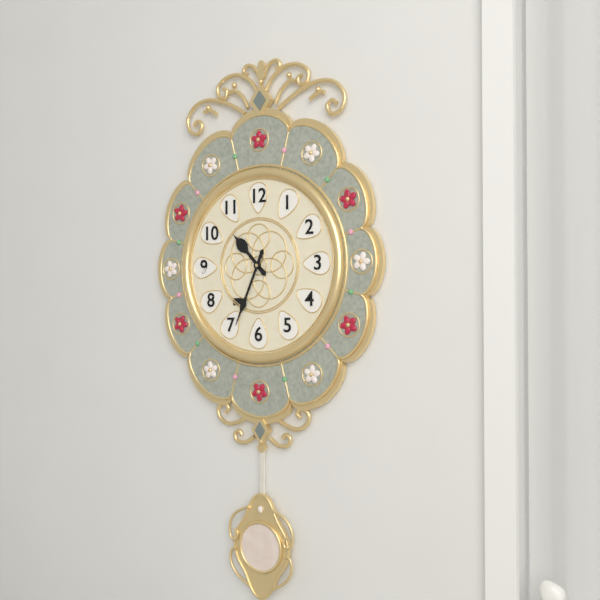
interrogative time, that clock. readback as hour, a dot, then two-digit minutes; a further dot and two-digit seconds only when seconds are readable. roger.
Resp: 10.34
